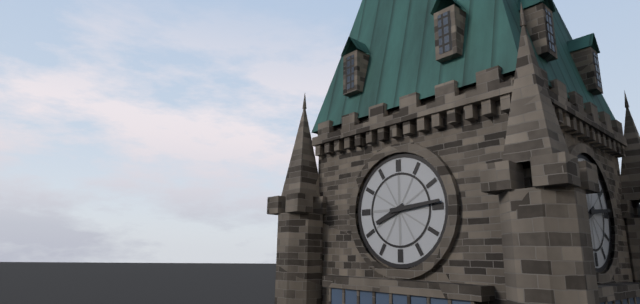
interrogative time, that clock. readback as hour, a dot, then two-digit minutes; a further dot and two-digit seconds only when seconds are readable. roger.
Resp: 8.14
